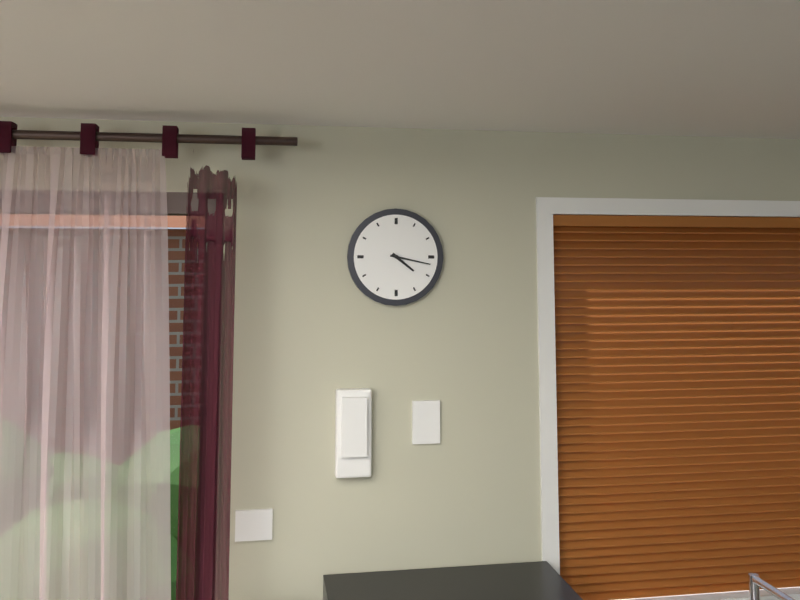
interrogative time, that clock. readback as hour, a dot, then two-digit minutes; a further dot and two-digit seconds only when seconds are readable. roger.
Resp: 4.17
